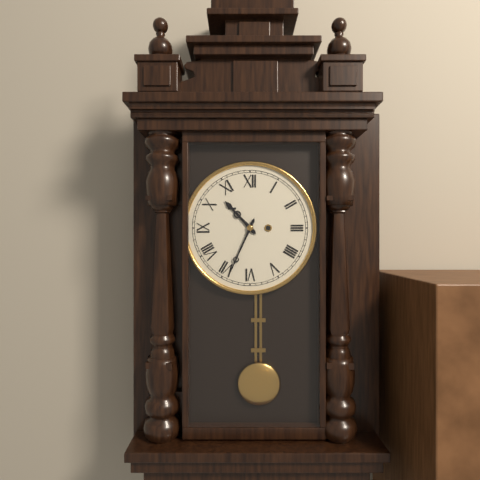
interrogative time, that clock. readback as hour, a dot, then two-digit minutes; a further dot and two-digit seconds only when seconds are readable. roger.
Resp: 10.34
